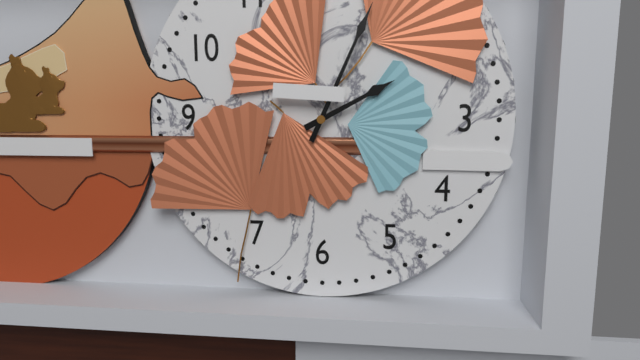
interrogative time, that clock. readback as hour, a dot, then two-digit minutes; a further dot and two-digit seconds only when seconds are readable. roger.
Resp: 2.04
